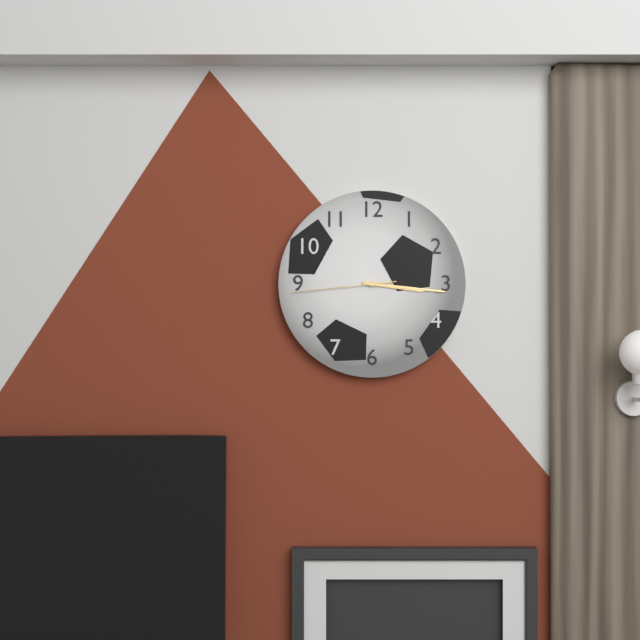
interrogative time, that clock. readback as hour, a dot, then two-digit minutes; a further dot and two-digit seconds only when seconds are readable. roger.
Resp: 3.16.44
